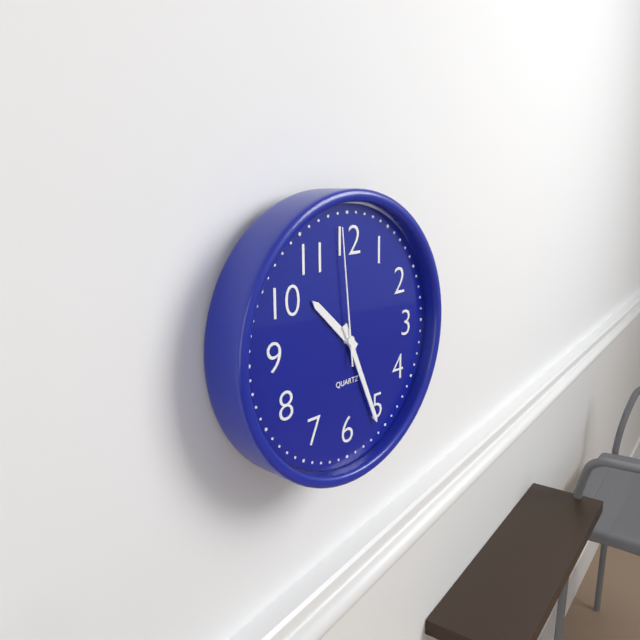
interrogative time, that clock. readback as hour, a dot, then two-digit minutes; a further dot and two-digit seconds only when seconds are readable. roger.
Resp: 10.26.59
